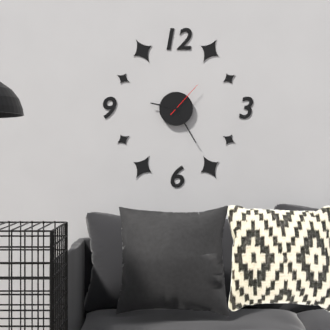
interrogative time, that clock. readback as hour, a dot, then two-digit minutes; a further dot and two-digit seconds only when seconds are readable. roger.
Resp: 9.25
